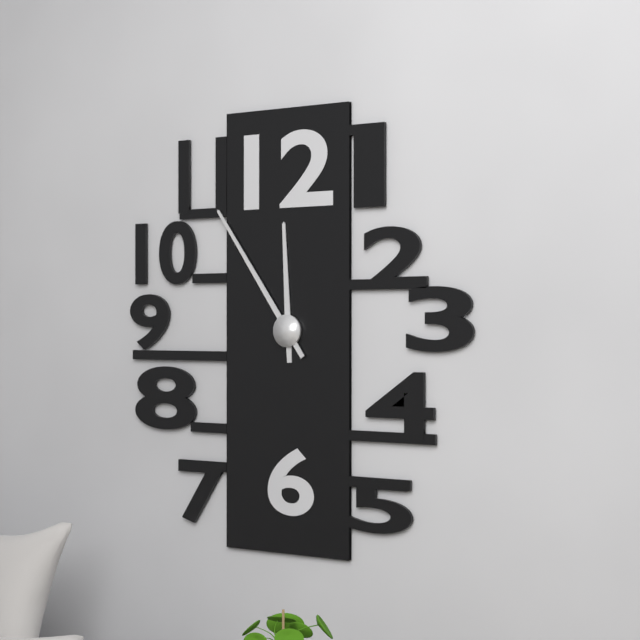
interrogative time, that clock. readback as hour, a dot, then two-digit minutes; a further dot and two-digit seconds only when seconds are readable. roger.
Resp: 11.54
